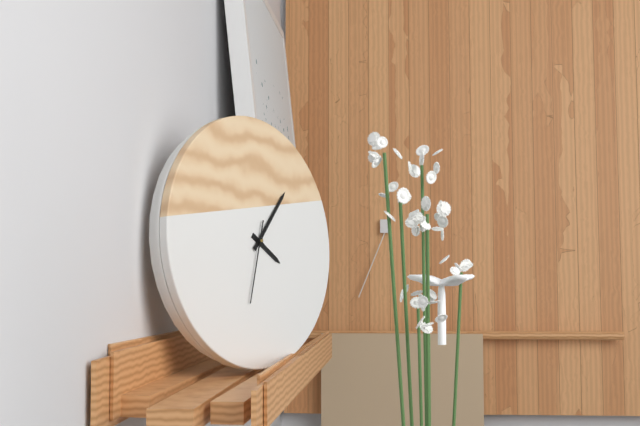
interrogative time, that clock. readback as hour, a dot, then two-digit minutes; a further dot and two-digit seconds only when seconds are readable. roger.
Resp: 4.07.33
